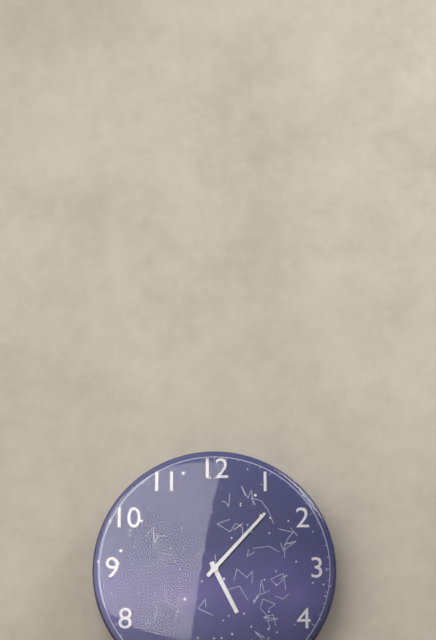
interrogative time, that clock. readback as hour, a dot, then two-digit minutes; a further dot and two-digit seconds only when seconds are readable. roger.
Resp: 5.07
